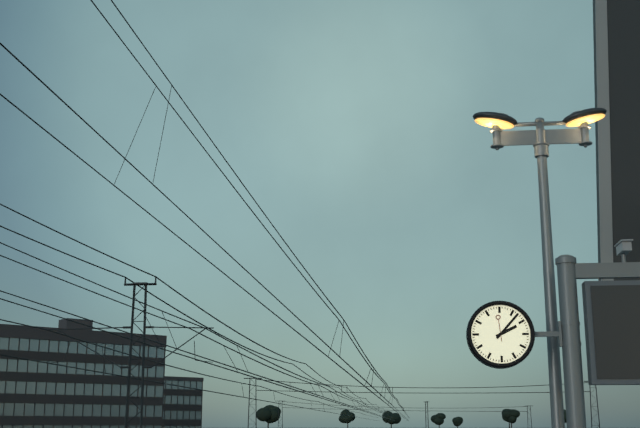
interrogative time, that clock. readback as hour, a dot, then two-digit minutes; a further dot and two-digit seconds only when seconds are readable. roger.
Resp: 2.07
